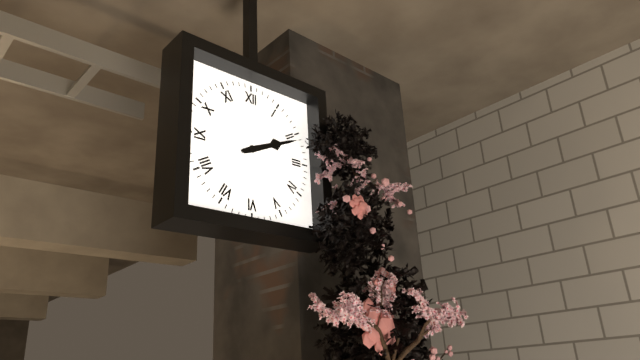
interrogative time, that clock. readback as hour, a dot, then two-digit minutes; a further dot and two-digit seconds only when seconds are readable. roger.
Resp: 2.11
